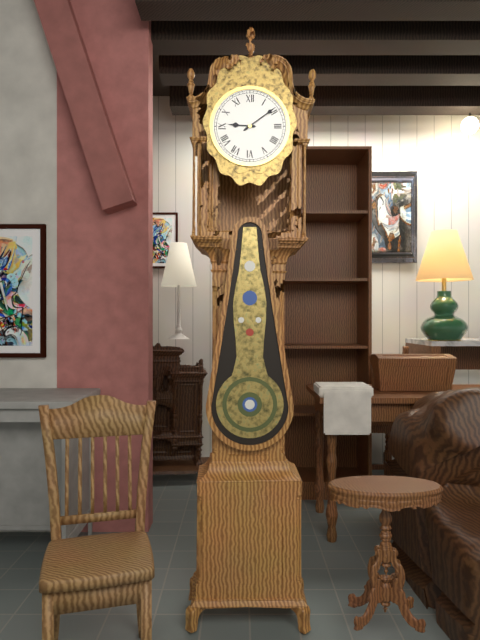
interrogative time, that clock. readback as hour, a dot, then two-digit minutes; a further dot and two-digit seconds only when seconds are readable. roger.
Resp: 9.09
